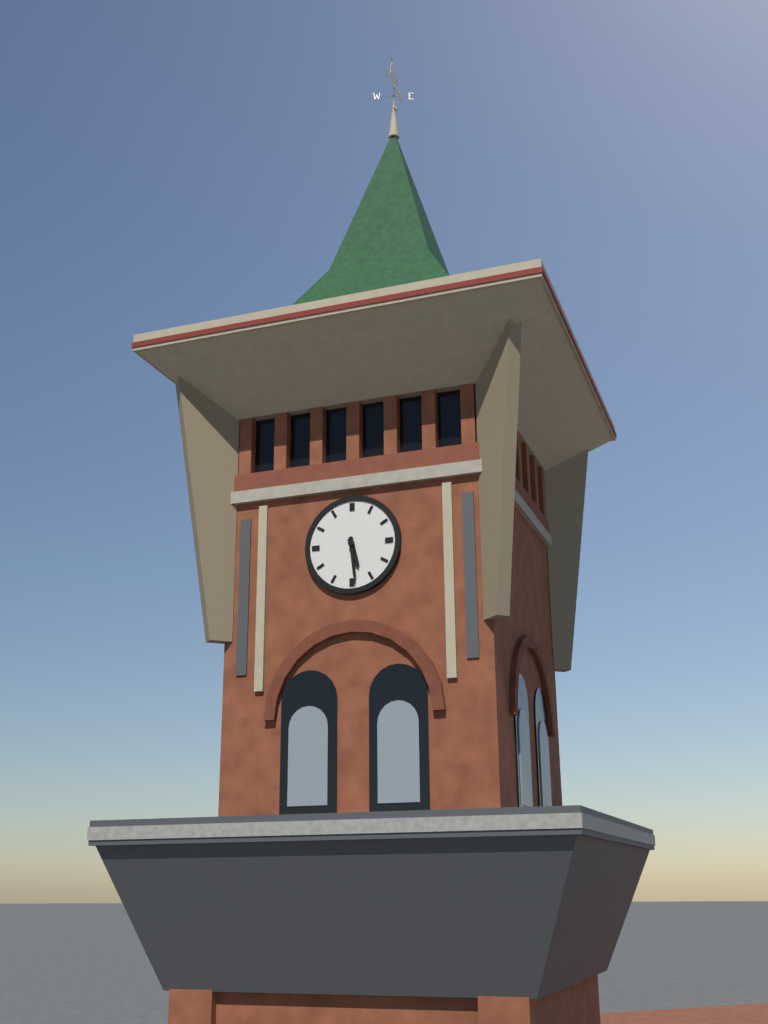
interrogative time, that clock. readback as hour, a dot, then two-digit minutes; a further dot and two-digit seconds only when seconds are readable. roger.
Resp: 5.29
